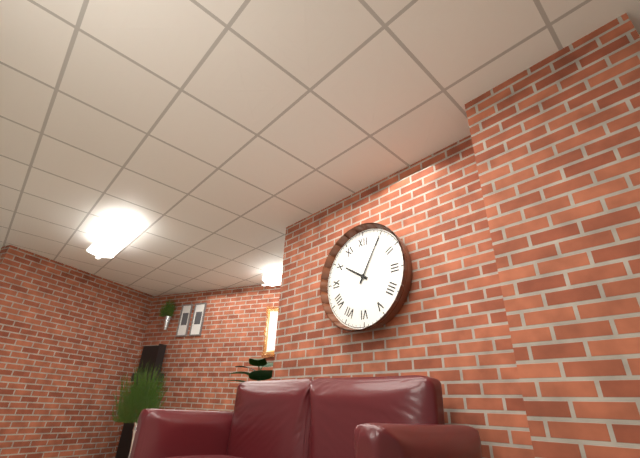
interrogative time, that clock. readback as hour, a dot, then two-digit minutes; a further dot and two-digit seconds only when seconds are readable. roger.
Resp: 10.05
